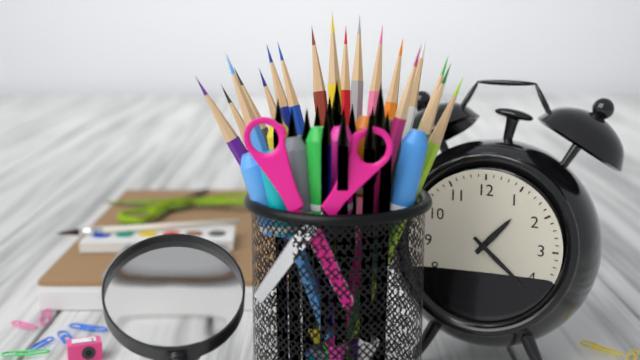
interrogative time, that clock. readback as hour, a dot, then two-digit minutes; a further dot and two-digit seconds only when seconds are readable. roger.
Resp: 1.22
